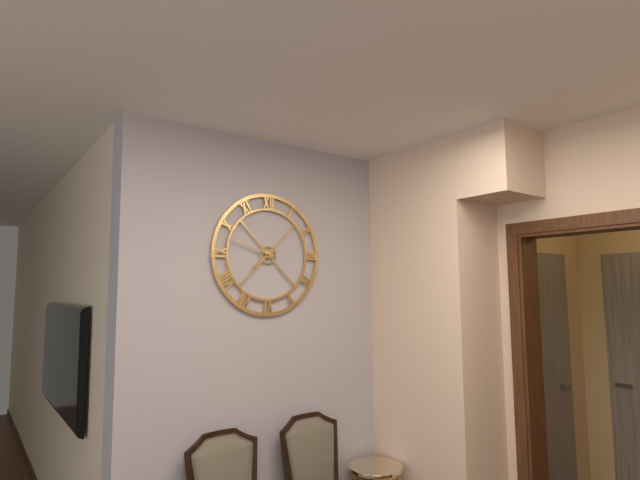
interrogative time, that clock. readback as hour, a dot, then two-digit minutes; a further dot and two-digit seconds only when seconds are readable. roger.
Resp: 7.48
